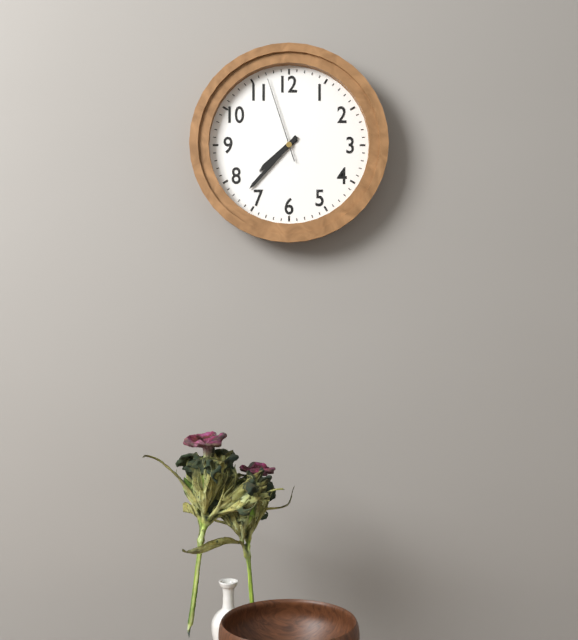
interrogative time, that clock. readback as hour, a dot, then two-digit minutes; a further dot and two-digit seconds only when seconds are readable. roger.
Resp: 7.37.57
